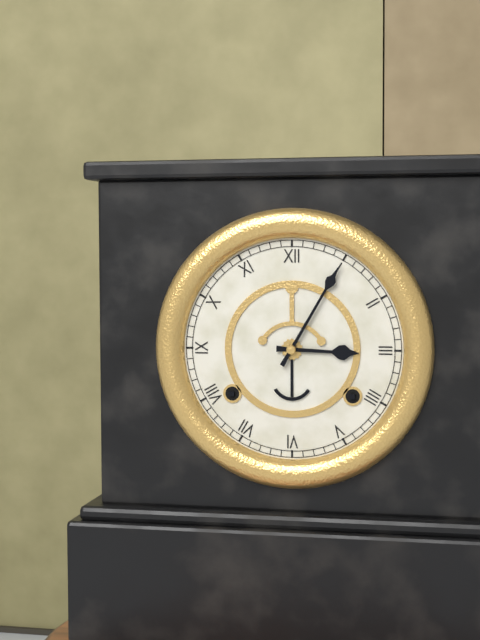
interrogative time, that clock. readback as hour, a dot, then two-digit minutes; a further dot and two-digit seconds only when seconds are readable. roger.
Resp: 3.05
